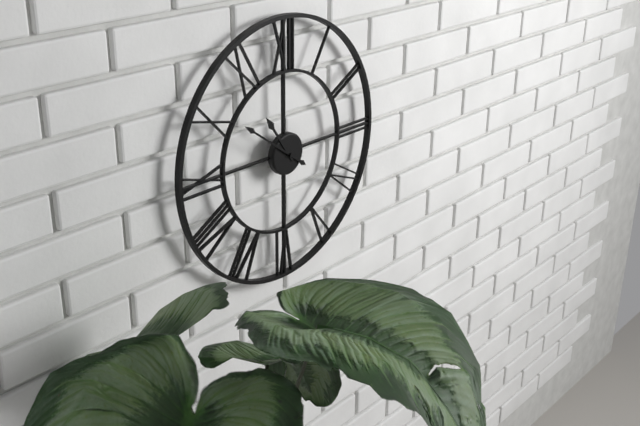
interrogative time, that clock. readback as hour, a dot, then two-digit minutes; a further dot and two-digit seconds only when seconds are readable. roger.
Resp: 10.51
